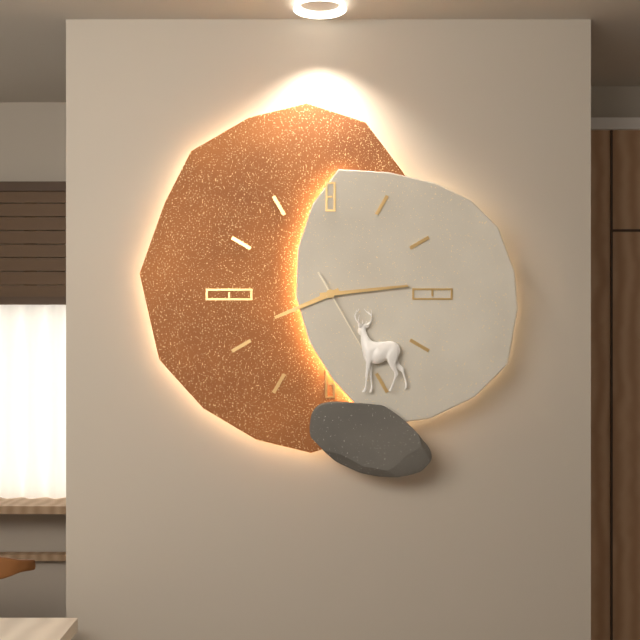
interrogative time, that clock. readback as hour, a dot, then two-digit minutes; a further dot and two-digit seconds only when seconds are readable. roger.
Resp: 8.14.25
